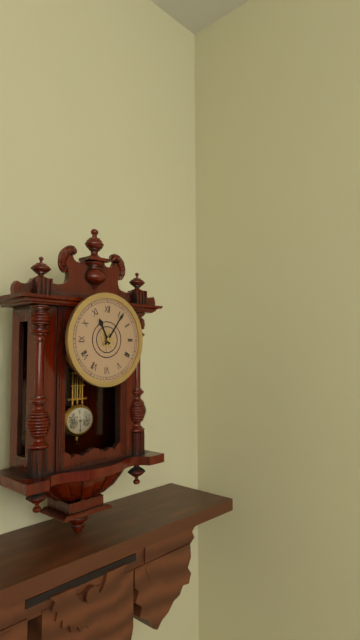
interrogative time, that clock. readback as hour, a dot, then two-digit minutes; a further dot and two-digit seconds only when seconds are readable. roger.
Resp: 11.06
